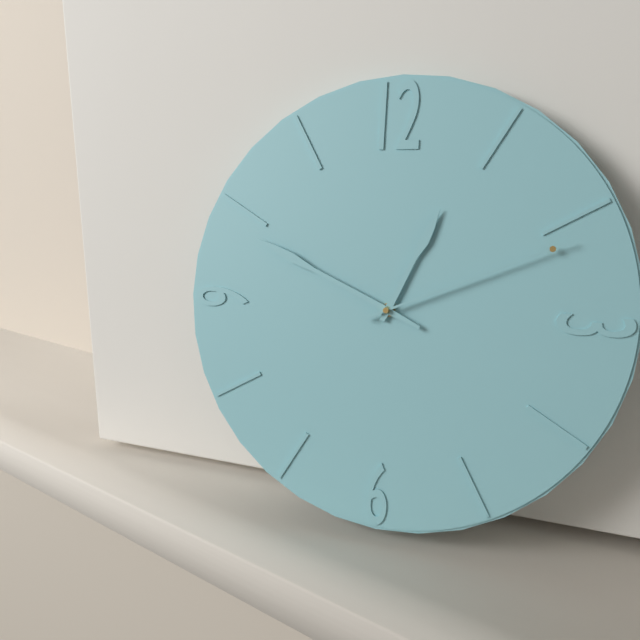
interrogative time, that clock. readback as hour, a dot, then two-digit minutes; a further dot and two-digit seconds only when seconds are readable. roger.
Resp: 12.49.11
